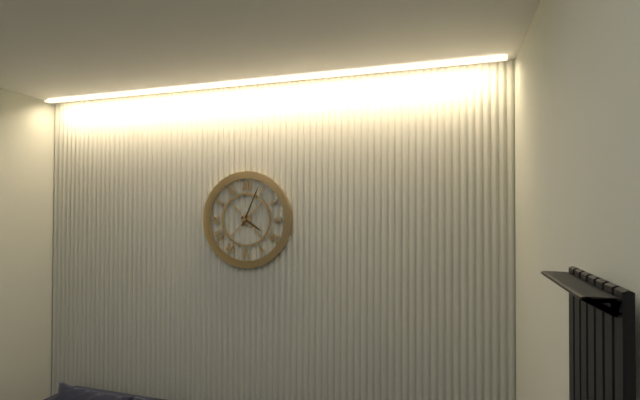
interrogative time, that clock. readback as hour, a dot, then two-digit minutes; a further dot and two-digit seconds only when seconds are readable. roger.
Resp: 4.04
